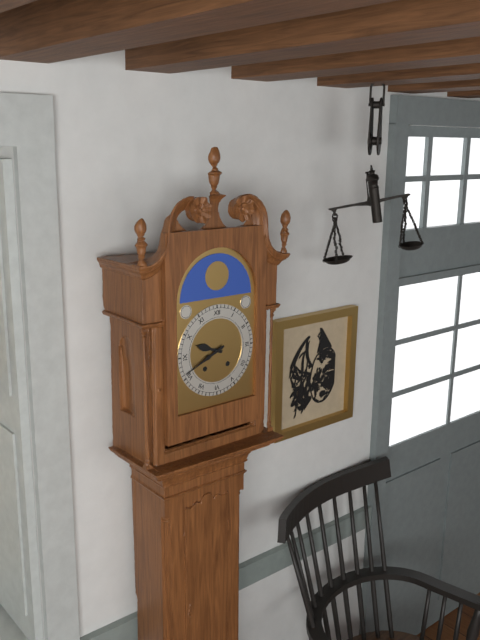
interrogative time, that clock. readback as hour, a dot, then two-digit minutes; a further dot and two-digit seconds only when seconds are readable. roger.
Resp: 9.41
